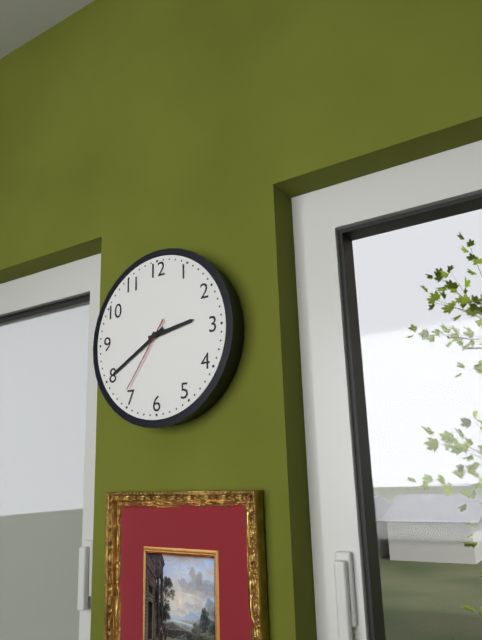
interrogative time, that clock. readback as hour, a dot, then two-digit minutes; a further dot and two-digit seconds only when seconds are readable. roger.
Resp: 2.40.36
